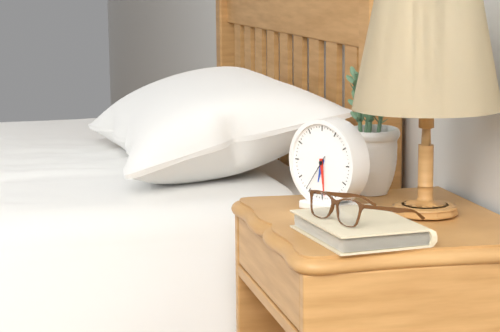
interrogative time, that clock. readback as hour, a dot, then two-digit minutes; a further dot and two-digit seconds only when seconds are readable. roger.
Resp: 6.29
